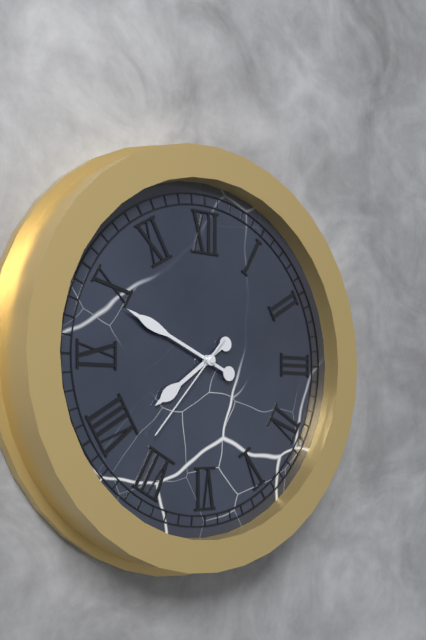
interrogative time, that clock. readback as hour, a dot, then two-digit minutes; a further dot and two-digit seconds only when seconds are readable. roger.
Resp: 7.49.37
